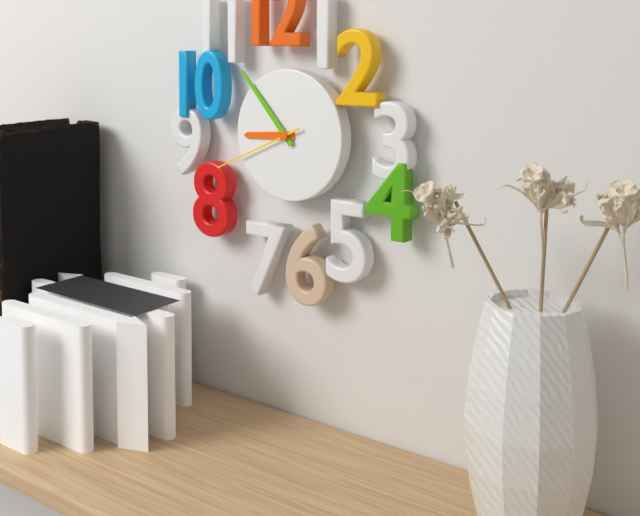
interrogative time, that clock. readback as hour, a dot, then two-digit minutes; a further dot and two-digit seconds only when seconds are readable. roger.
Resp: 8.53.41
